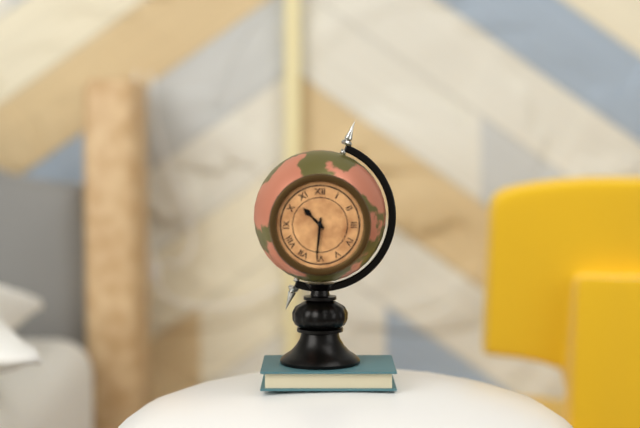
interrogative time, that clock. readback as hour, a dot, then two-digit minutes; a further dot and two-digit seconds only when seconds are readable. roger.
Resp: 10.31
